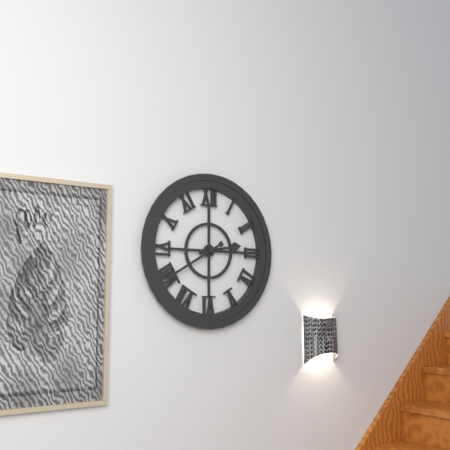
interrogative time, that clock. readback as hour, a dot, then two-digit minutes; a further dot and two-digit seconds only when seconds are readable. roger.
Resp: 2.40
